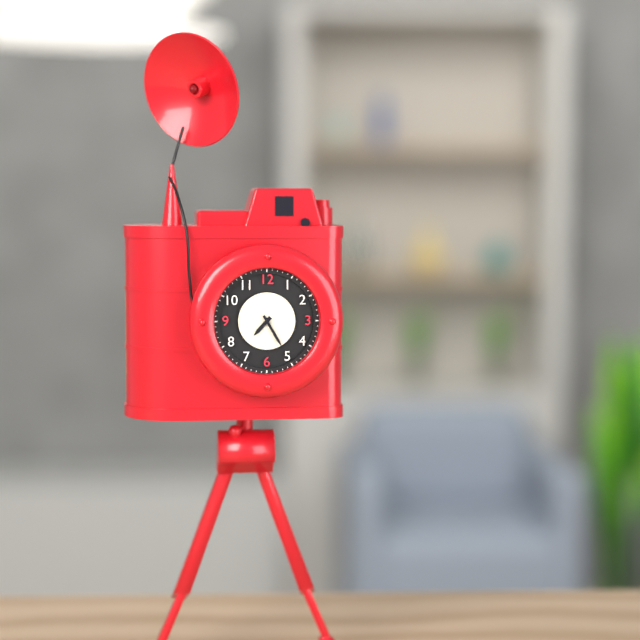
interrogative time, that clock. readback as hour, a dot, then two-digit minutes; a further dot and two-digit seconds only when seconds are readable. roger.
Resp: 7.25
